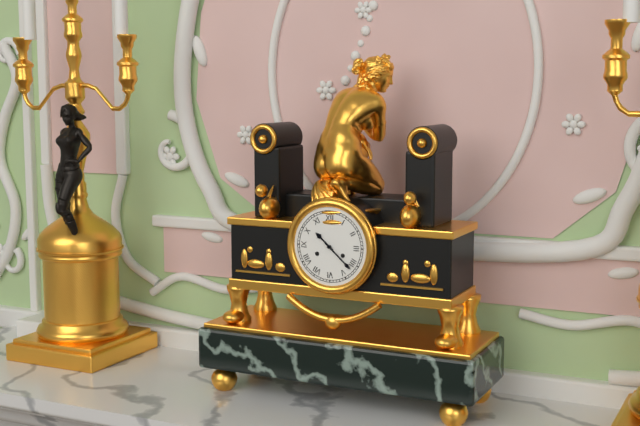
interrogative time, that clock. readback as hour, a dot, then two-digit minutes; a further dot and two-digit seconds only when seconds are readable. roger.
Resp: 10.22
